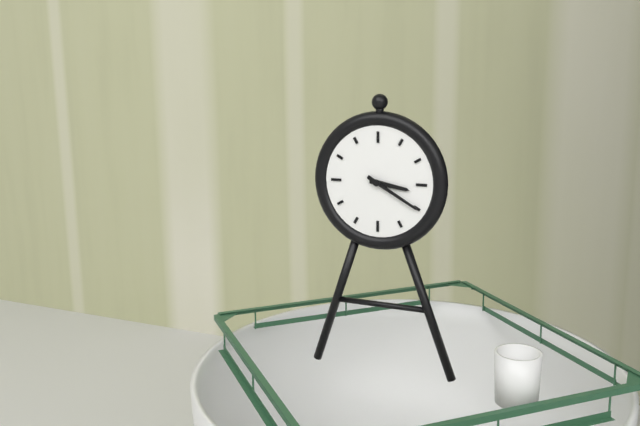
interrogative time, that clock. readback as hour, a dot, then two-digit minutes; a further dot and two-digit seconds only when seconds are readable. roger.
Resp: 3.20
